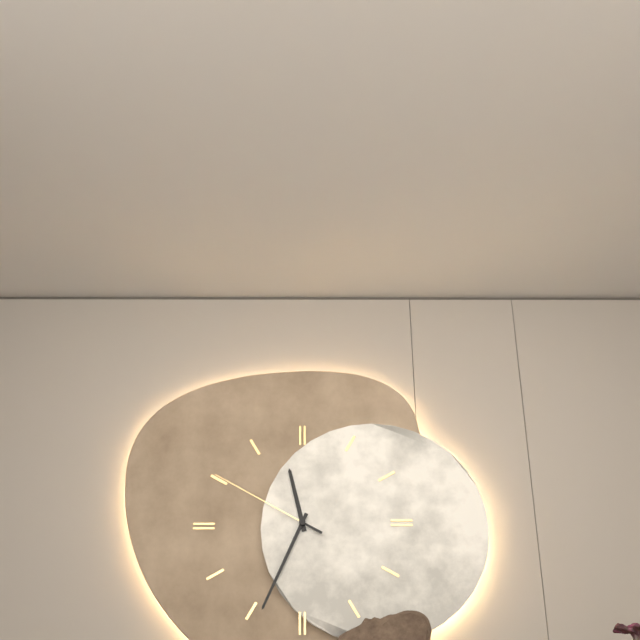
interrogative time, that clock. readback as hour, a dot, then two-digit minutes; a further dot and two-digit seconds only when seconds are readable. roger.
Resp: 11.34.50
